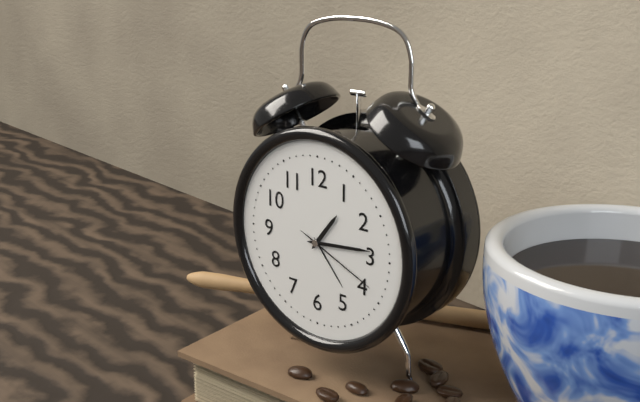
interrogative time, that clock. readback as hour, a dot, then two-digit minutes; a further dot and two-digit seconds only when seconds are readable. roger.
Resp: 1.14.19
